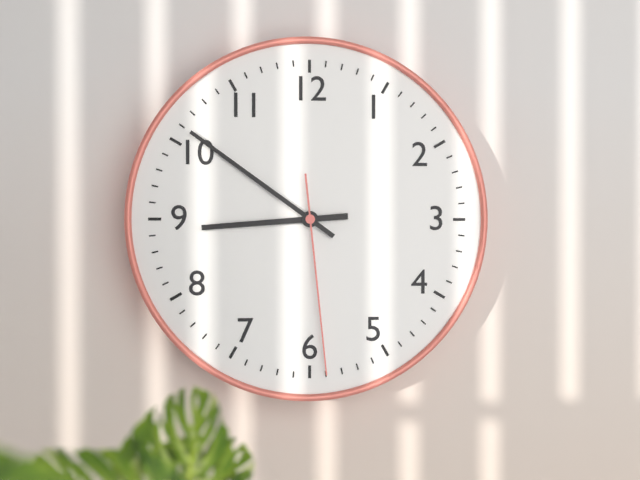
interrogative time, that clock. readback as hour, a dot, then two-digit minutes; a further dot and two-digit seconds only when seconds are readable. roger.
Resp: 8.51.29
